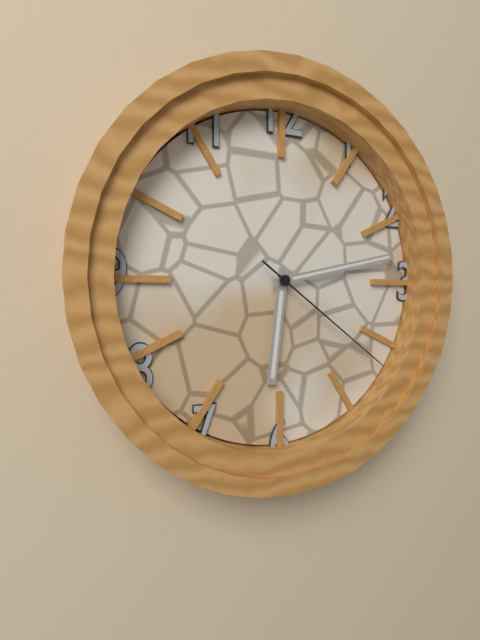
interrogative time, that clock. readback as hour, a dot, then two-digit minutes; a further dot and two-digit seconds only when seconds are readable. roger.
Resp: 6.13.21
